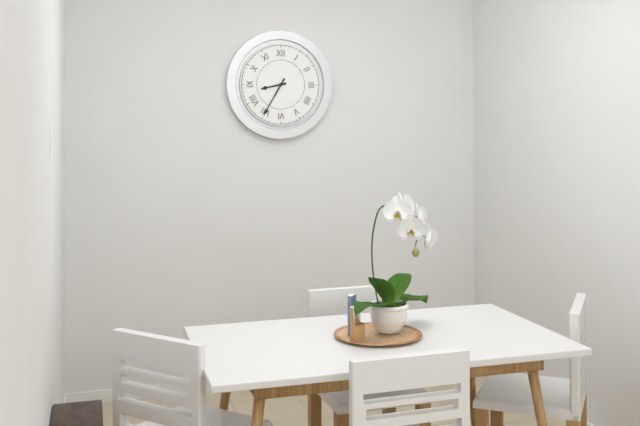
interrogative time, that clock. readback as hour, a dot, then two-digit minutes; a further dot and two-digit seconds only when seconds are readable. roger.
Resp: 8.35
